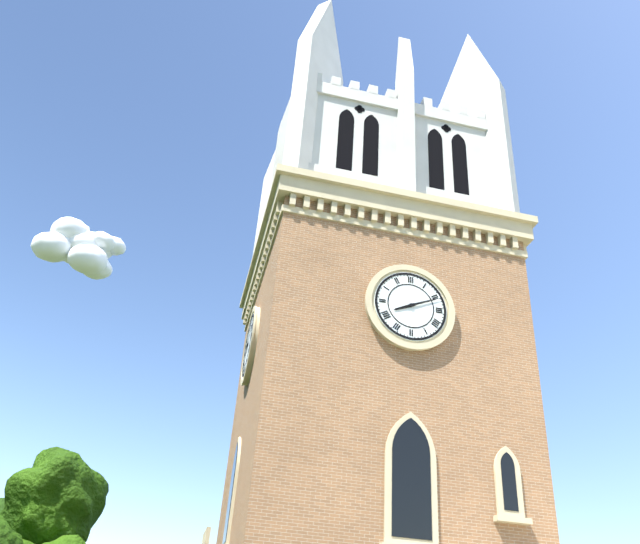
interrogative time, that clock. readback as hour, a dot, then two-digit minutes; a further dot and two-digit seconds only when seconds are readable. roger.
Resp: 8.11
